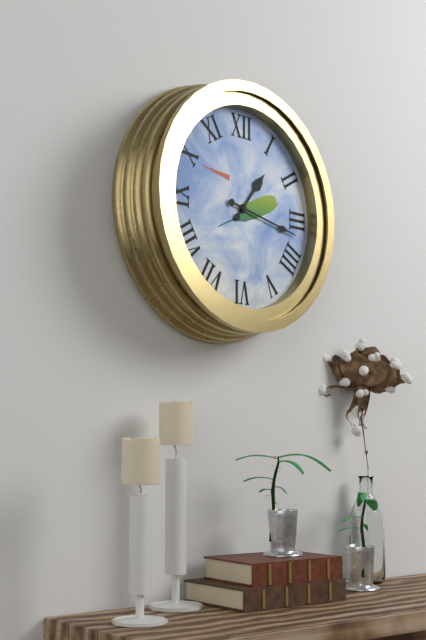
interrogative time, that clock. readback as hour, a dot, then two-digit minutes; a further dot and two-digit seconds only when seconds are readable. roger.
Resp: 1.17
